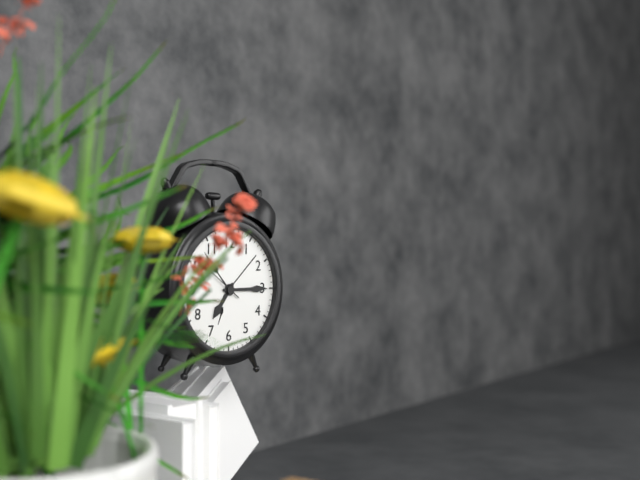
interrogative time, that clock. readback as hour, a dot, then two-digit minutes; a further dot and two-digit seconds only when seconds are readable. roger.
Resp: 7.15
